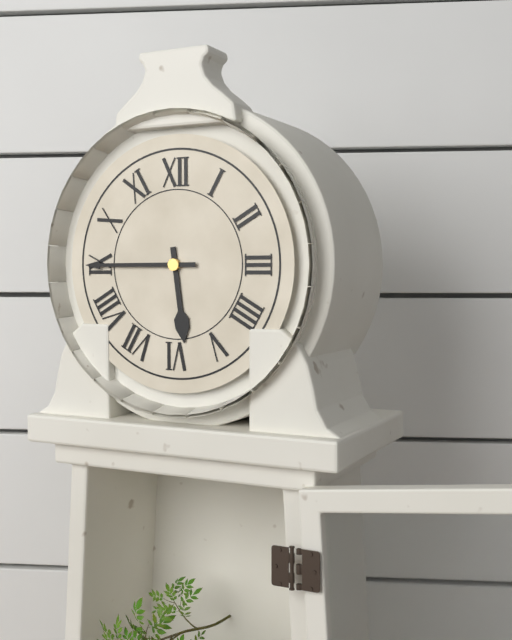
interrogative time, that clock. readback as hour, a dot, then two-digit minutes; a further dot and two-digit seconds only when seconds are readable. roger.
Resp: 5.45
